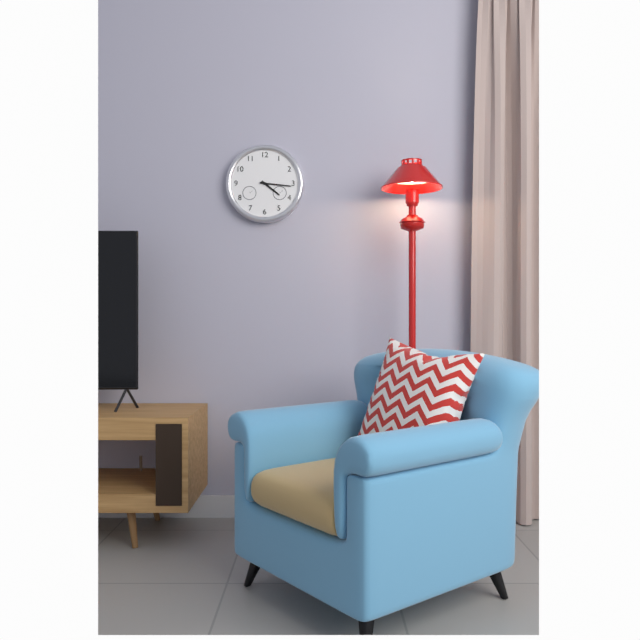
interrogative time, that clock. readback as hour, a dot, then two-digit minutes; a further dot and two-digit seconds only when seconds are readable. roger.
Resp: 4.16
